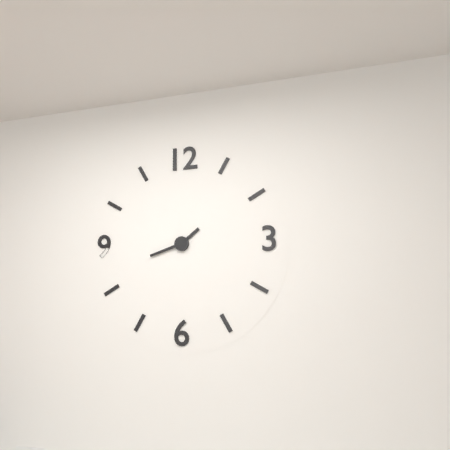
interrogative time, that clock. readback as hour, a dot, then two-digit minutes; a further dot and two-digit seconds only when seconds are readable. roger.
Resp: 1.42
